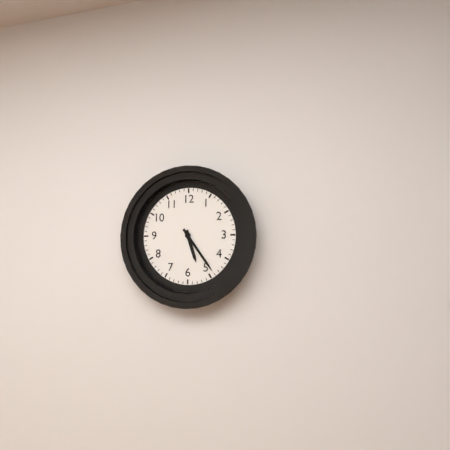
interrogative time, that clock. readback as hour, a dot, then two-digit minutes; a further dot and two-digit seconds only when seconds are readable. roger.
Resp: 5.24
